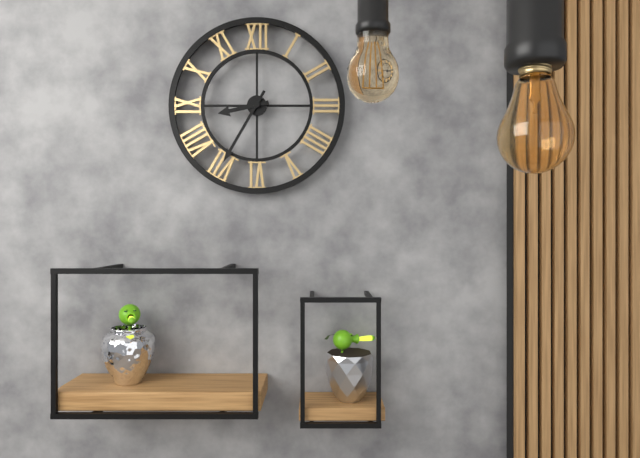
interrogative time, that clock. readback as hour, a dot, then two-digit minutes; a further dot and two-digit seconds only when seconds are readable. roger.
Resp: 8.35
